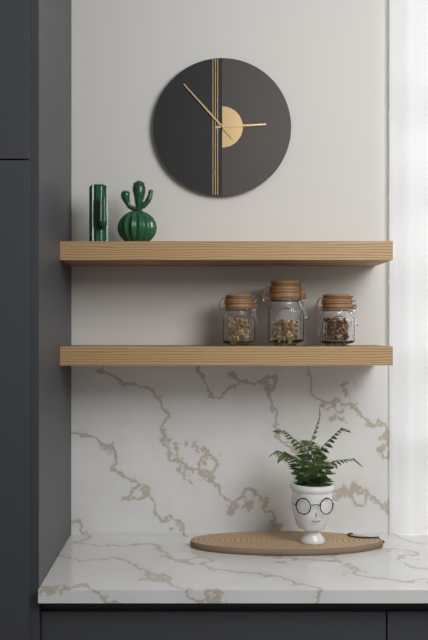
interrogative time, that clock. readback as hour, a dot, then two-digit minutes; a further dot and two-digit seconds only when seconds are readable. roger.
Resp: 2.53
